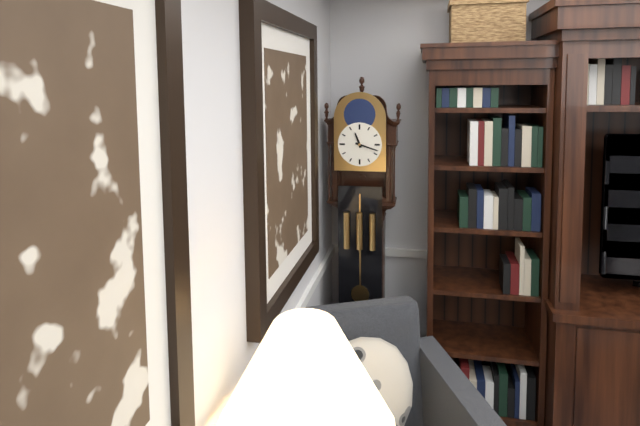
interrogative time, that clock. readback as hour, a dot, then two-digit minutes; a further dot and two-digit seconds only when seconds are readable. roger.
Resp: 11.18
